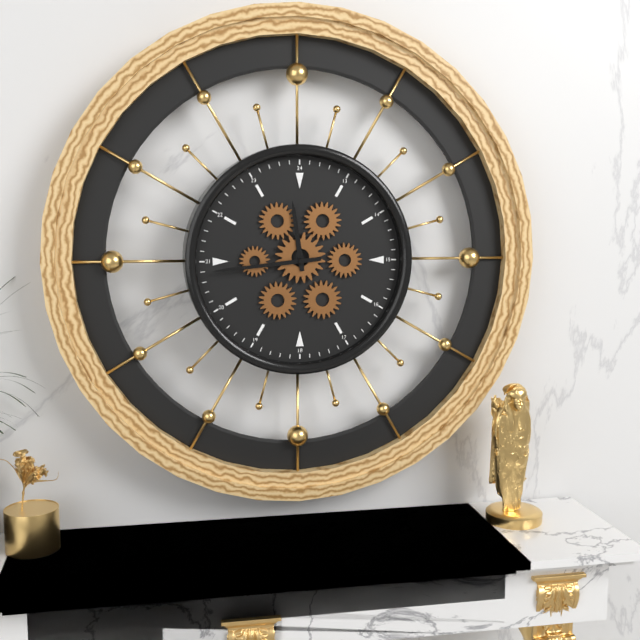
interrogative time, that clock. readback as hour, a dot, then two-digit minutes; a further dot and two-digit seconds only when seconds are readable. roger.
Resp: 11.44
